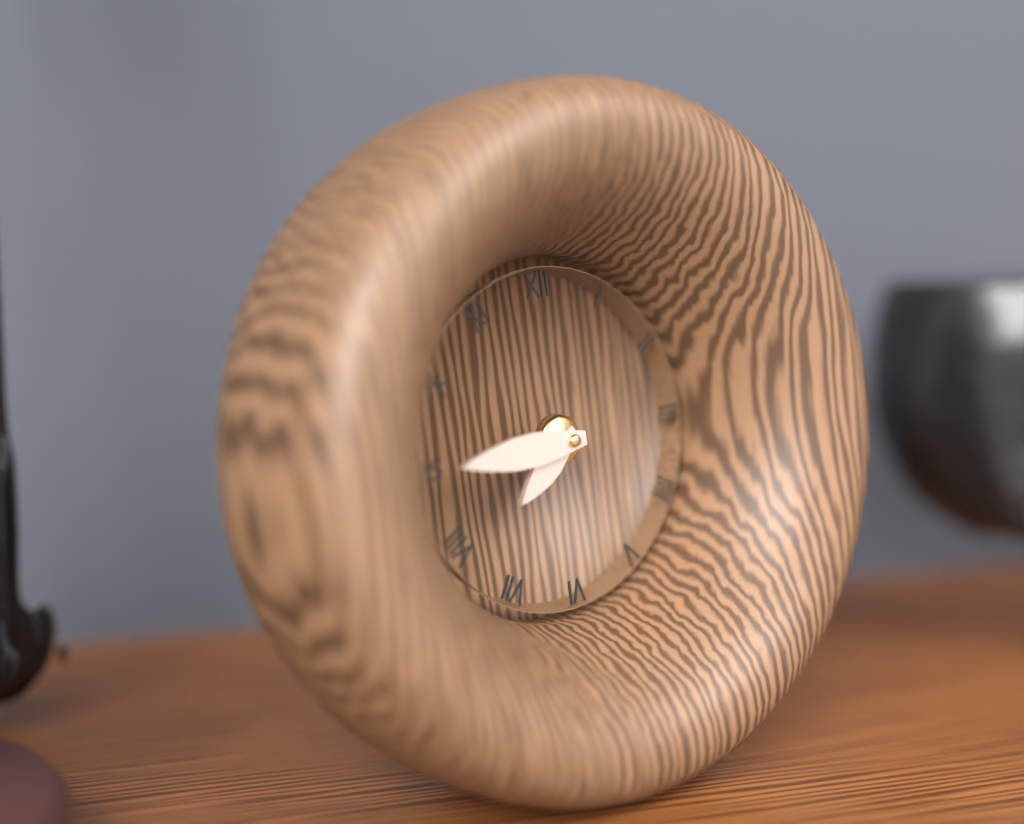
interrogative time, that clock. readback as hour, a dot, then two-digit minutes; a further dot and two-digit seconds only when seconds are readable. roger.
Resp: 7.45
